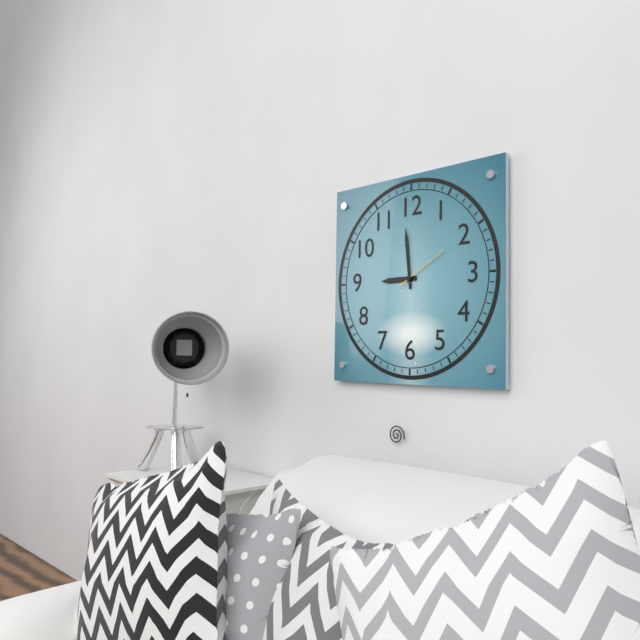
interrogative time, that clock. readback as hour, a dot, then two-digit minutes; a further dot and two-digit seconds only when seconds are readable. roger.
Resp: 8.59.10
